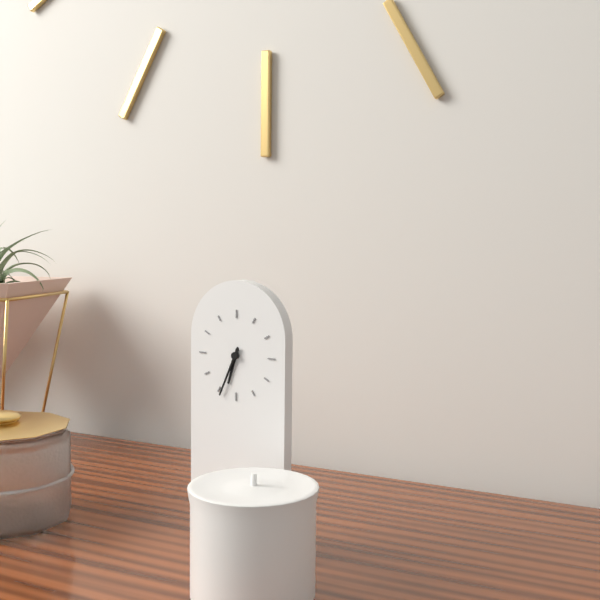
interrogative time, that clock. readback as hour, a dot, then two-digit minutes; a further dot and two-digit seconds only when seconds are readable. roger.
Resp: 6.34
